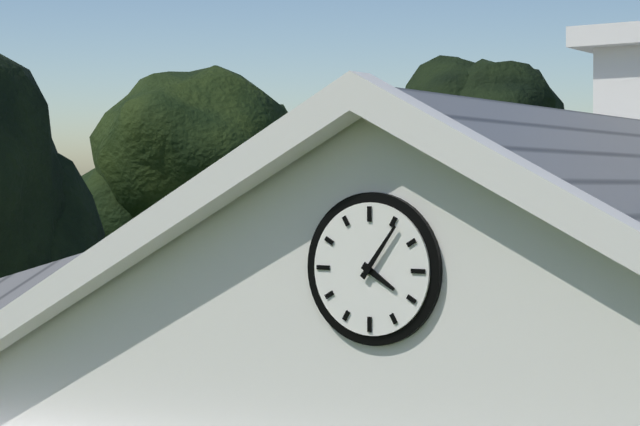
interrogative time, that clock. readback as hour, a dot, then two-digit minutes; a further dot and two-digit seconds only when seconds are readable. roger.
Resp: 4.06
